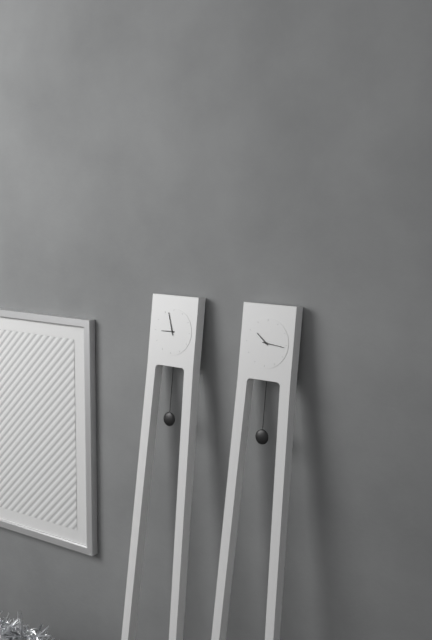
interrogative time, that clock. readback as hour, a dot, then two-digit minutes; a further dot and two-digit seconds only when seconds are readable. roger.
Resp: 8.57
